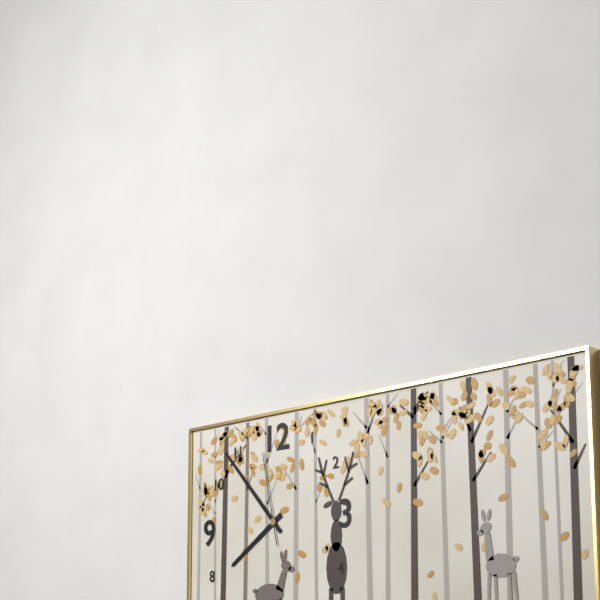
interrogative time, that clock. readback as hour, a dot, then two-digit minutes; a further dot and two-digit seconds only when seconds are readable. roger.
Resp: 7.53.58
